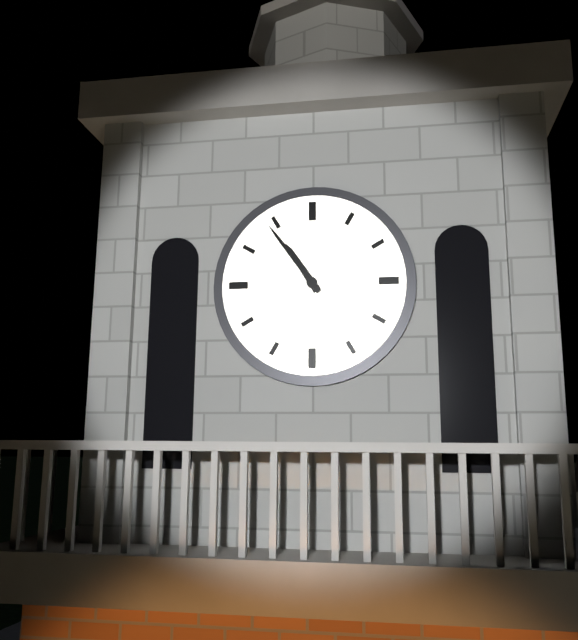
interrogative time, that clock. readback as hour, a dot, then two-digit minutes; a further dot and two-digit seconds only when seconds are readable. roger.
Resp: 10.54
